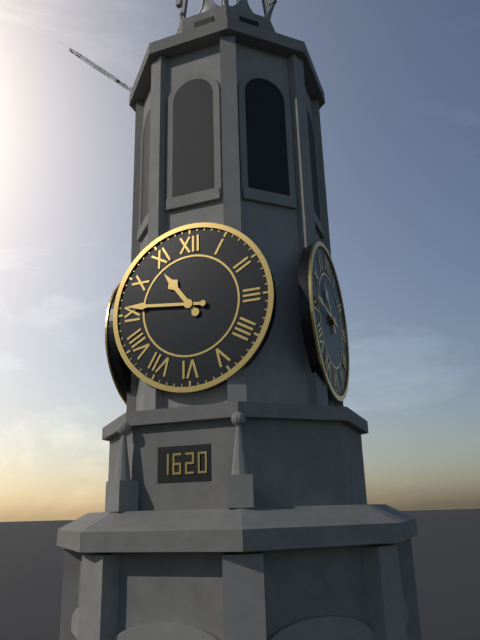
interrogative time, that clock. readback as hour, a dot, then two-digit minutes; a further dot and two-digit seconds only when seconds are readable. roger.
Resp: 10.46
